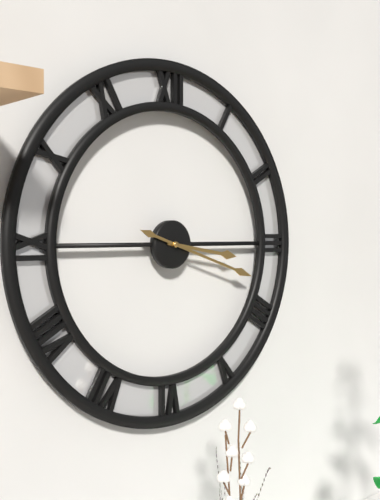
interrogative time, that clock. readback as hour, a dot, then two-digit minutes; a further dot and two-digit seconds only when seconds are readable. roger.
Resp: 3.18
